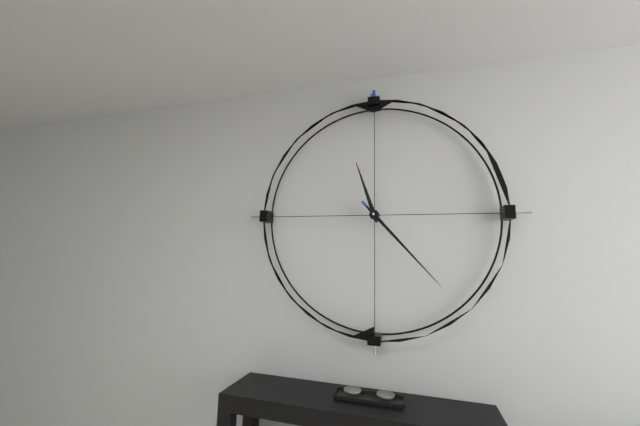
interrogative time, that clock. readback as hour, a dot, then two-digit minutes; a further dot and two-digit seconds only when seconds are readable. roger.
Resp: 11.23
